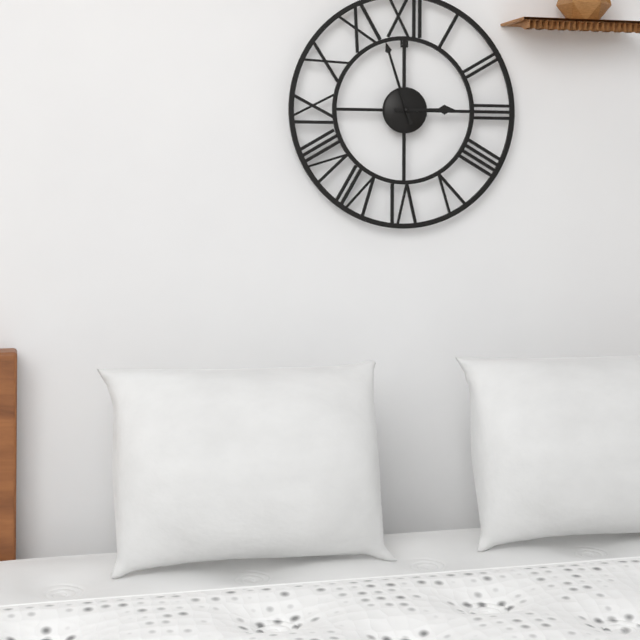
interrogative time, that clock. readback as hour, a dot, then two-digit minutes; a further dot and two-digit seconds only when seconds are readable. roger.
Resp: 2.57
